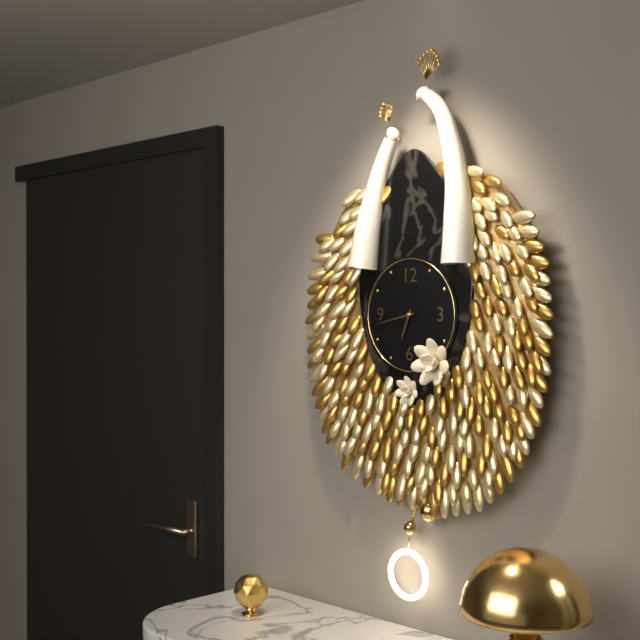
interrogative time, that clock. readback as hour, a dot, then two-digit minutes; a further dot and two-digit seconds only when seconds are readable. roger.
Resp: 6.43
